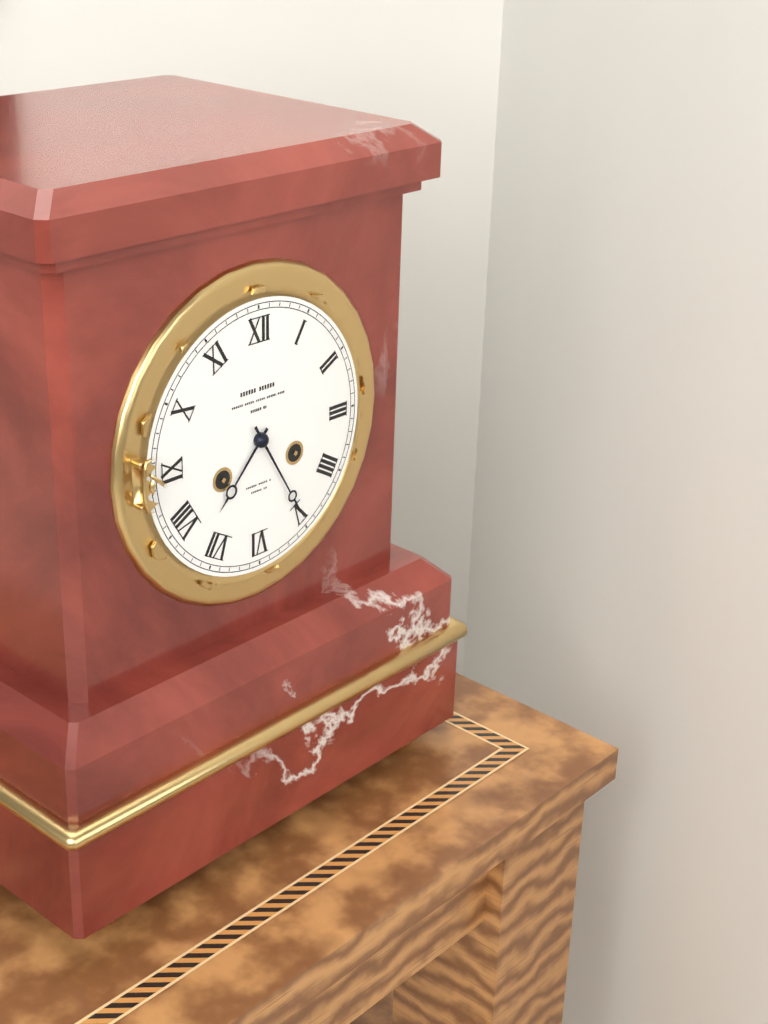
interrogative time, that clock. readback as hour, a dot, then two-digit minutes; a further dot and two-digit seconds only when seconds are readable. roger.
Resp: 7.25
